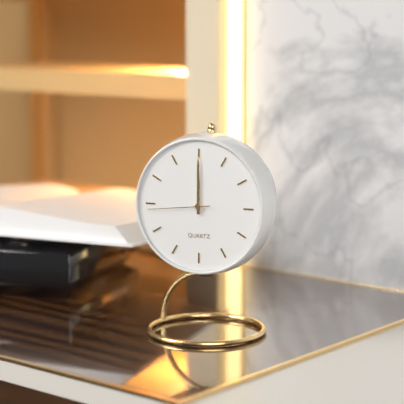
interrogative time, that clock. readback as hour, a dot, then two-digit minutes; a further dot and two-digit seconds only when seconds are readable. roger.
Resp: 12.00.44
